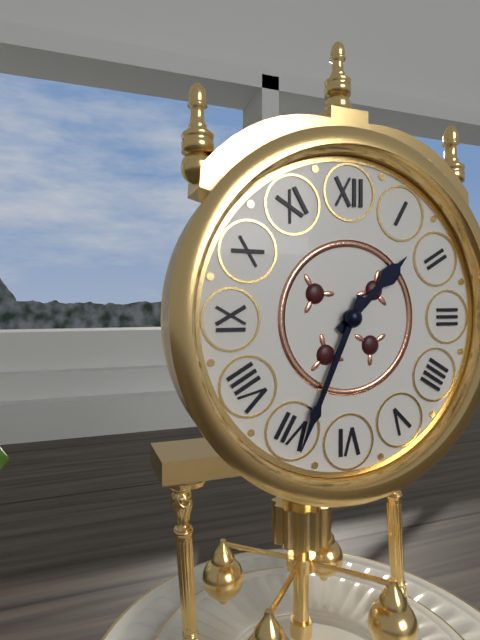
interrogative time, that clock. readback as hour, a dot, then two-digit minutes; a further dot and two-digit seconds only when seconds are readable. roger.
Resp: 1.34
